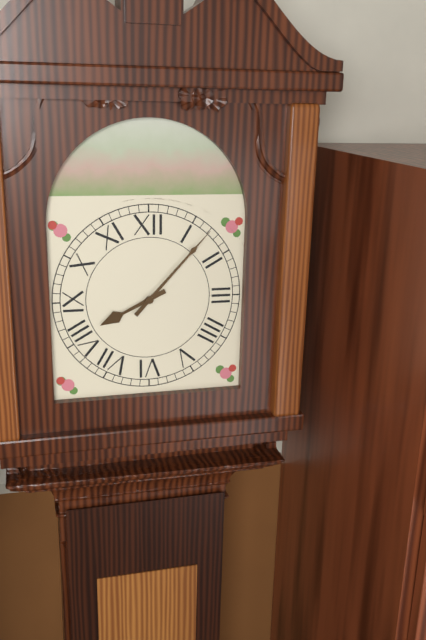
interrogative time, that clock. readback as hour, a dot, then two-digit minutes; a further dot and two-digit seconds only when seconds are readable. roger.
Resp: 8.07
